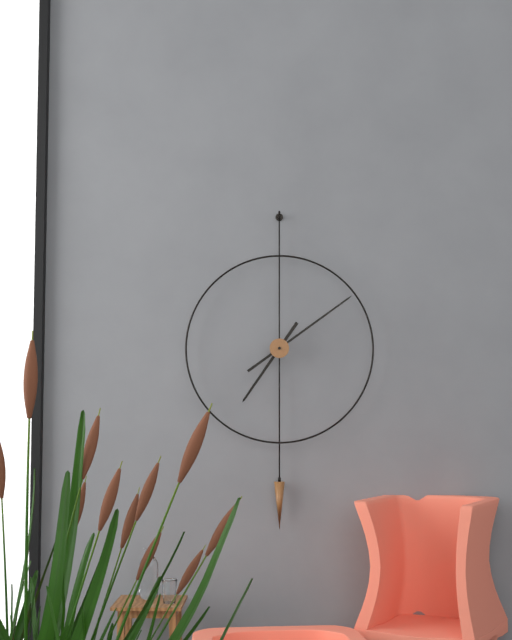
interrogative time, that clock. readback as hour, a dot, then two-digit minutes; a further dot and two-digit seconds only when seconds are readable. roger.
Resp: 7.09
